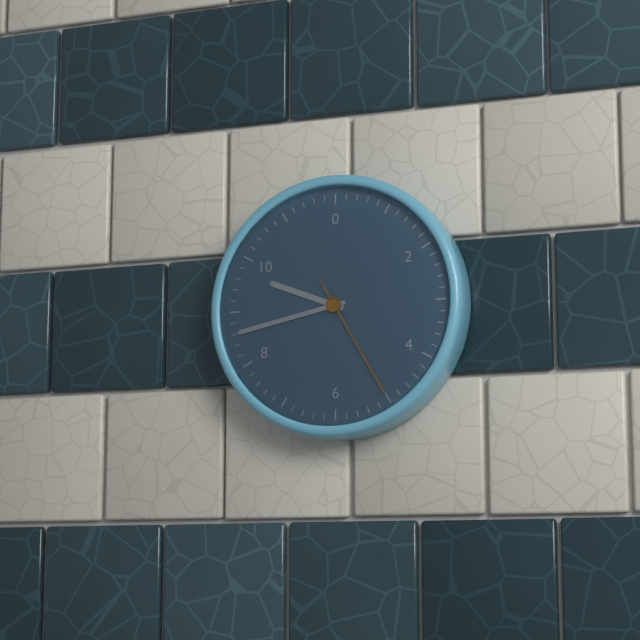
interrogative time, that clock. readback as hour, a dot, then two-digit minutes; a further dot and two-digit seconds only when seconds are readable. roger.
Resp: 9.43.25
